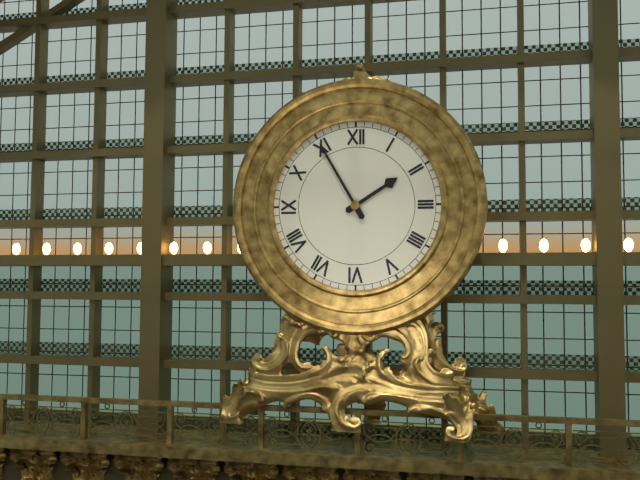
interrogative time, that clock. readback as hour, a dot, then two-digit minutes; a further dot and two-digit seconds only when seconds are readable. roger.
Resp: 1.55
